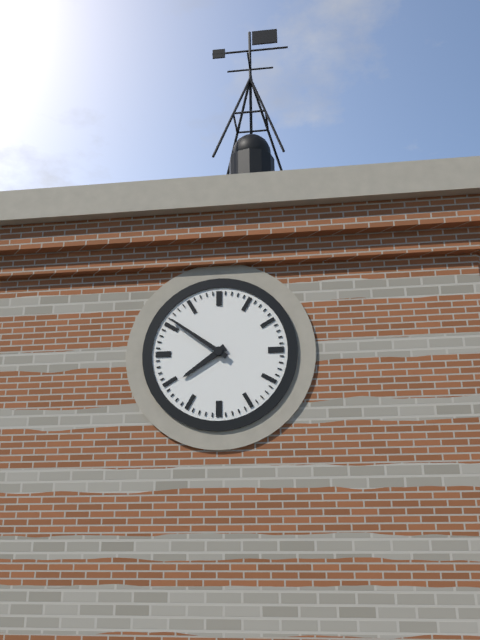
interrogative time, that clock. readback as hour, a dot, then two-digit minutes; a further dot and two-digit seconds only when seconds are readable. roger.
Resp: 7.51
